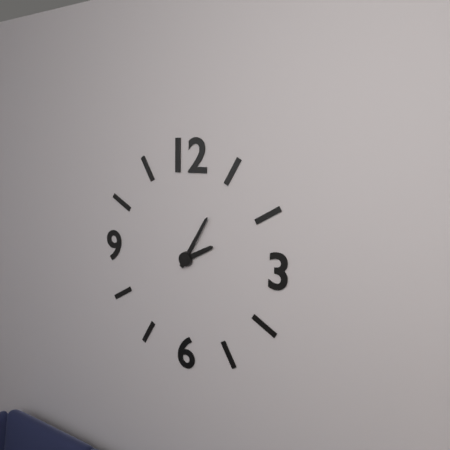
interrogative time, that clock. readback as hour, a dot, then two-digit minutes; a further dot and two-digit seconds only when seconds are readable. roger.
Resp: 2.05
